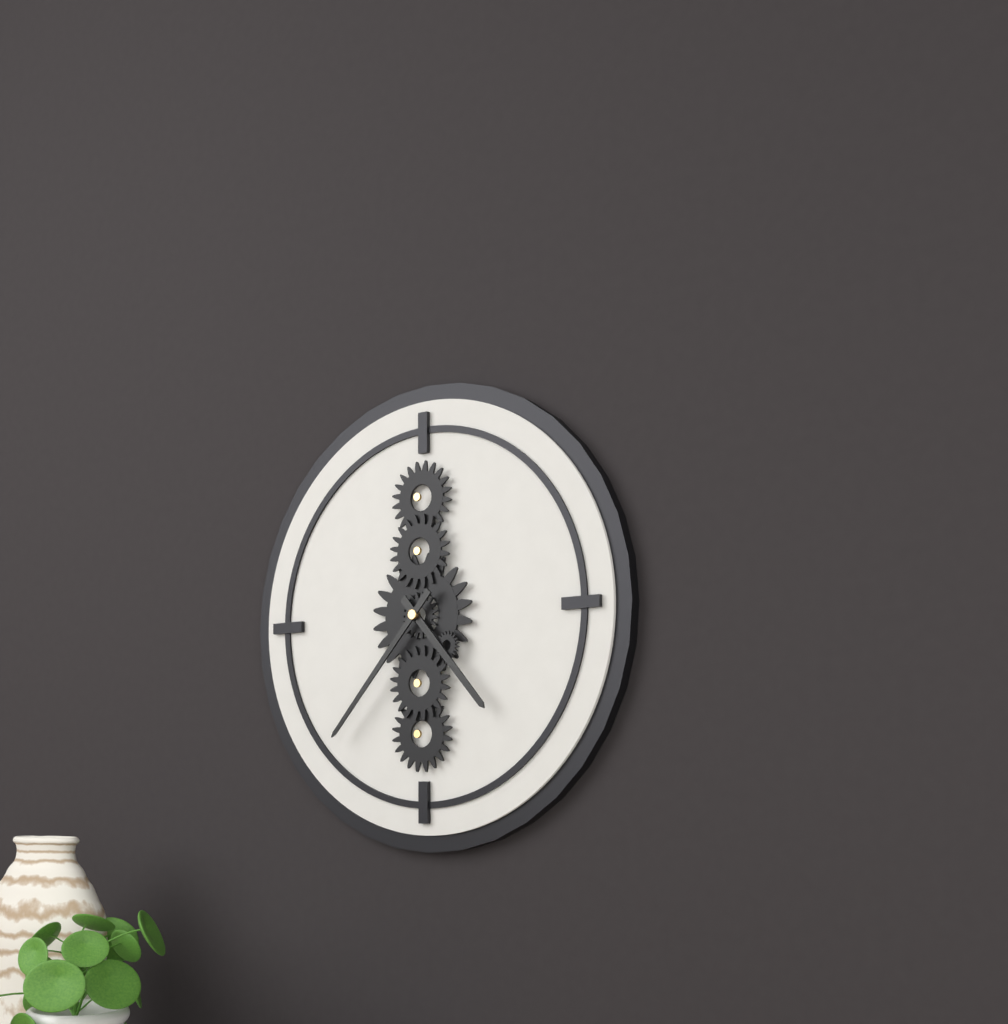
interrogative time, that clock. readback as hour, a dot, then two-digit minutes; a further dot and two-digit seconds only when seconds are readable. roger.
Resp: 4.37
